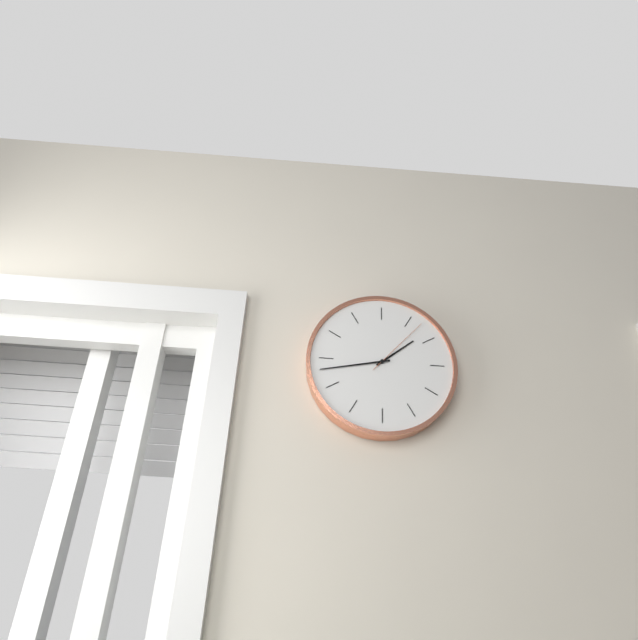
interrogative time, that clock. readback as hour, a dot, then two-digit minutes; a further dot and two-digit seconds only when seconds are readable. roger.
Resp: 1.43.07
